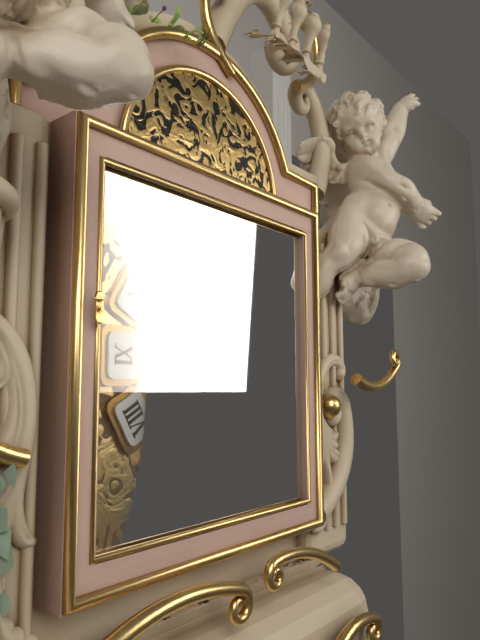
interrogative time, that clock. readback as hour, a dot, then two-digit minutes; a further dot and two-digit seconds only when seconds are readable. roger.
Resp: 9.53
